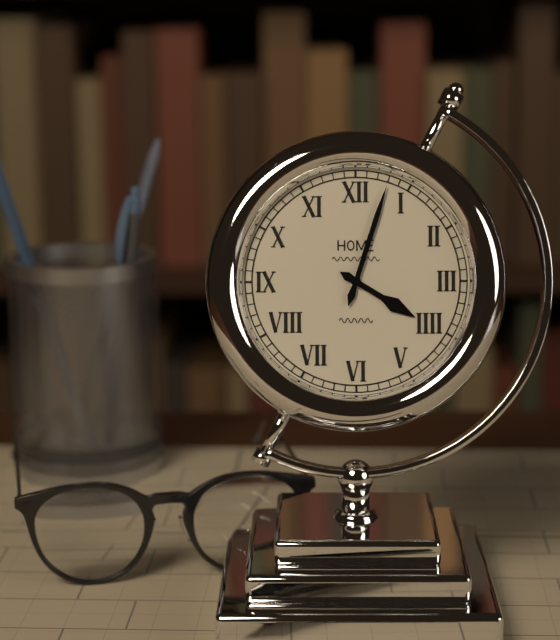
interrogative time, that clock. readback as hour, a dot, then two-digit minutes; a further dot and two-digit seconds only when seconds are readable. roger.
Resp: 4.03
